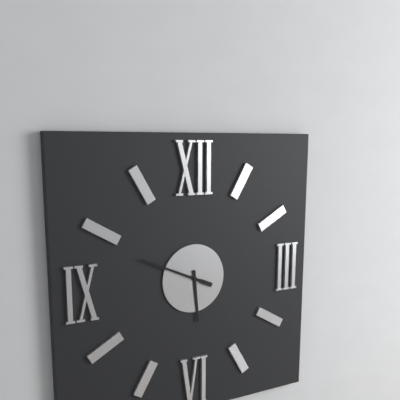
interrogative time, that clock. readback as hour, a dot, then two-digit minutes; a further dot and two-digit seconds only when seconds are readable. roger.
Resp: 5.49
